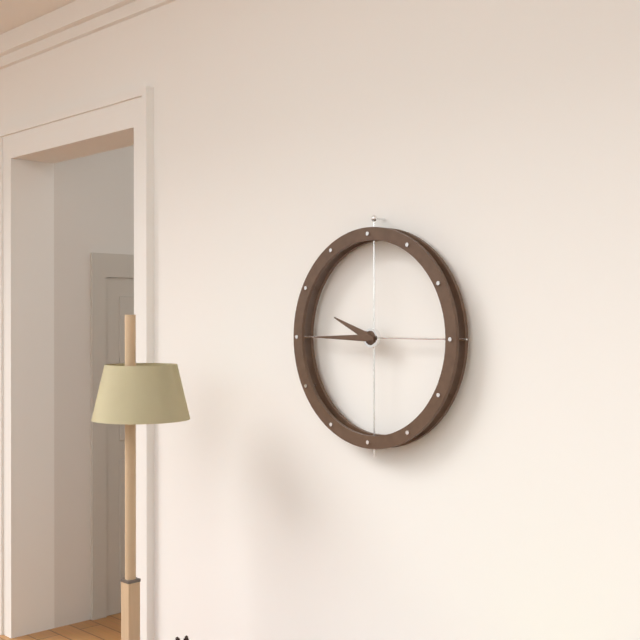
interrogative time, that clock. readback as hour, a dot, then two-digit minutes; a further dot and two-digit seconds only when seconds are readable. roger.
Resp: 9.45
